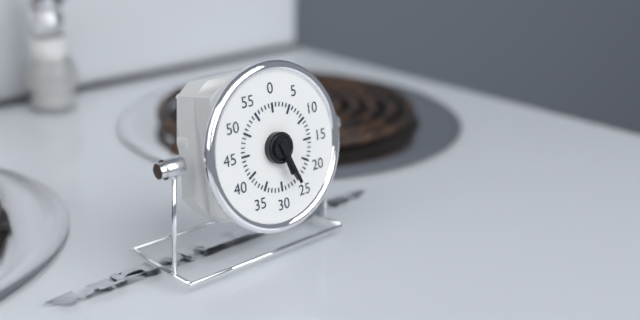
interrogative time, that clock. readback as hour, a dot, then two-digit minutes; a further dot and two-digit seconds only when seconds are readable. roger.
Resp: 5.26
